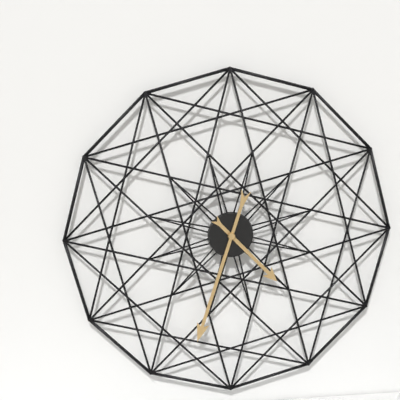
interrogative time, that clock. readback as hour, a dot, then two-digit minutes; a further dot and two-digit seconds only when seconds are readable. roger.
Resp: 4.33
